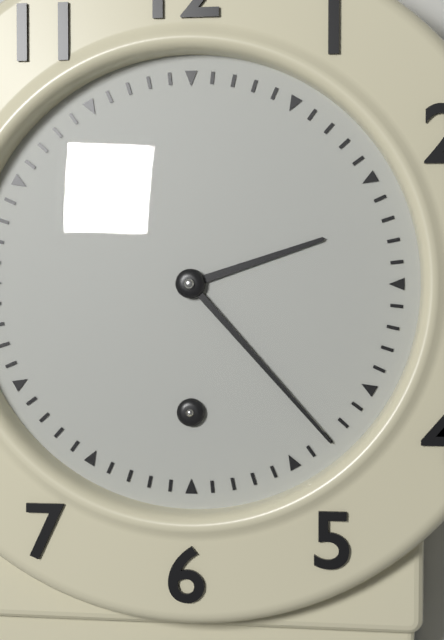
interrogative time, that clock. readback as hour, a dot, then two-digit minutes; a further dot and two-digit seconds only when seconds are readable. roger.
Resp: 2.23
